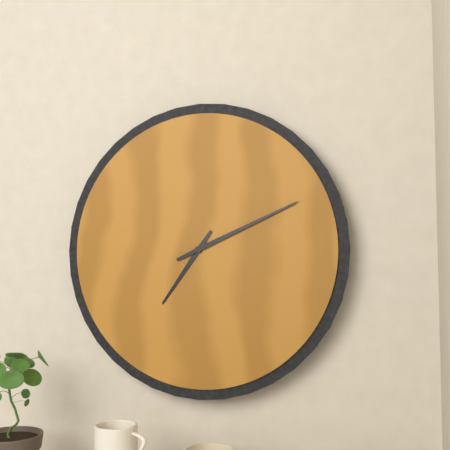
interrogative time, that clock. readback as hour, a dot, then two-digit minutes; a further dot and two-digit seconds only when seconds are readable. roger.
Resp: 7.11
